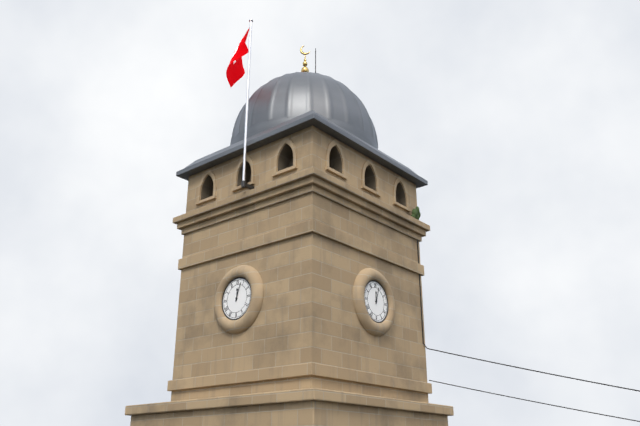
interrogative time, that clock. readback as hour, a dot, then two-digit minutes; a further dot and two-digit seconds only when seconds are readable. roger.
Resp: 12.03
